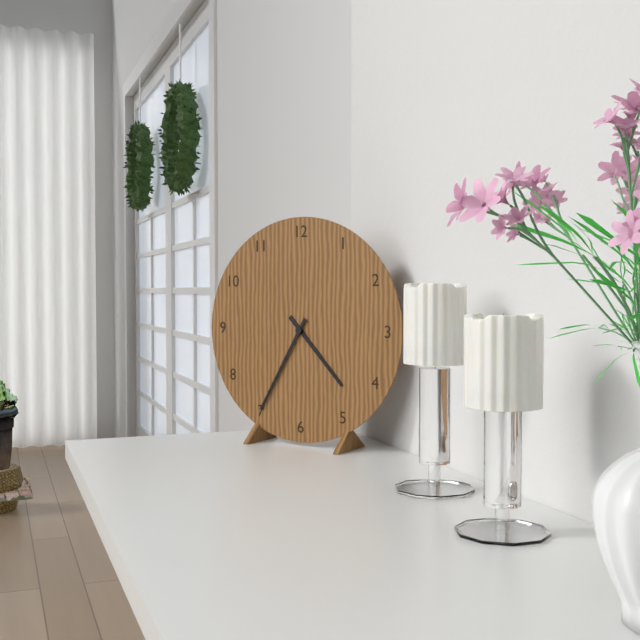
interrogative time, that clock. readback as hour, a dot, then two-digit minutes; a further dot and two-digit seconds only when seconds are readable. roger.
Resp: 4.35
